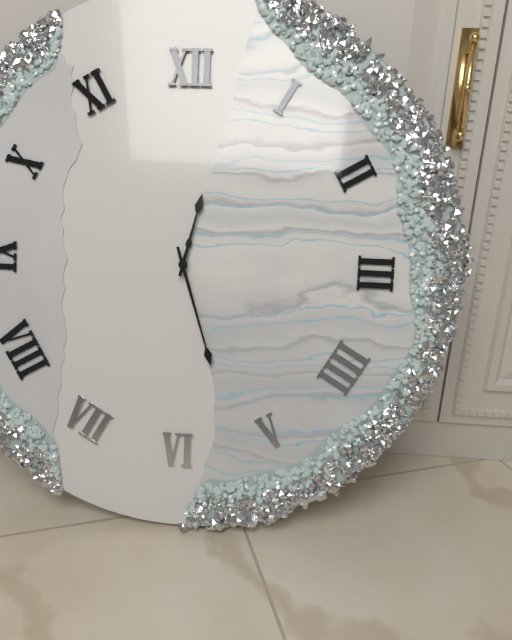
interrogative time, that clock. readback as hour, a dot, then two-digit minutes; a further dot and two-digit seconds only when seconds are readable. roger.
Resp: 12.27
